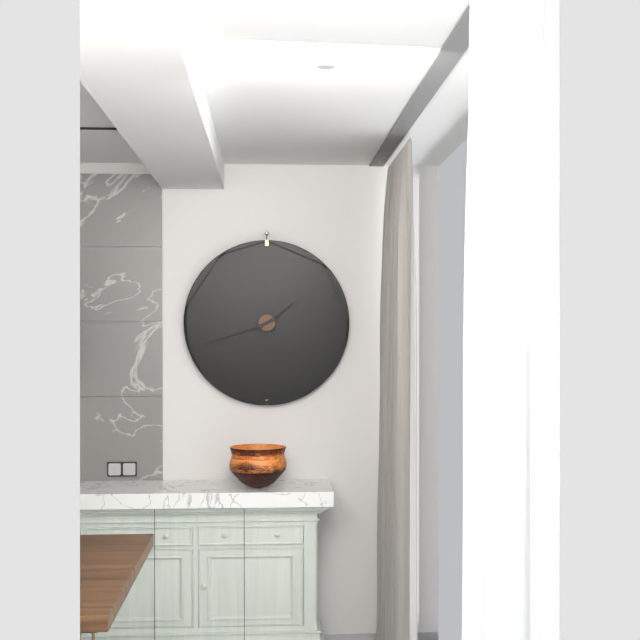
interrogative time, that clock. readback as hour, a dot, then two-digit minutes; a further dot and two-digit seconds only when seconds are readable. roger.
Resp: 1.42
